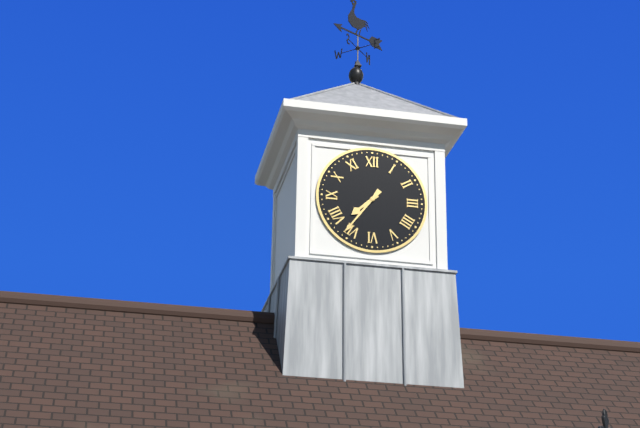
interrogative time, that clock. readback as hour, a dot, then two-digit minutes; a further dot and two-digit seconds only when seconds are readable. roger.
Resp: 7.36
